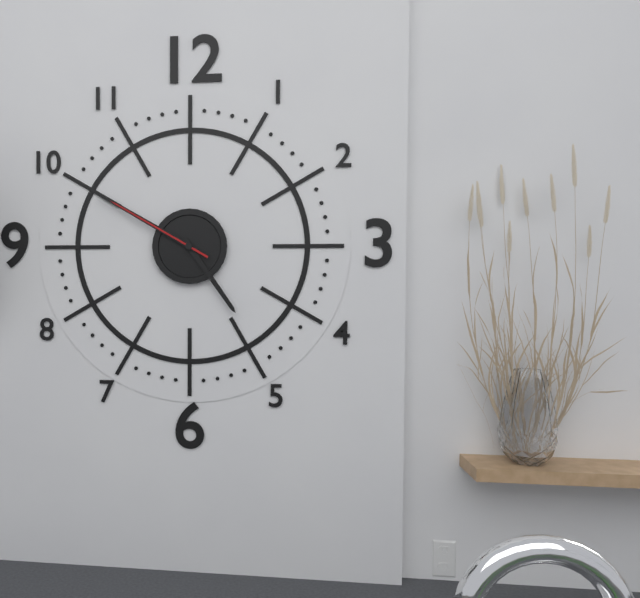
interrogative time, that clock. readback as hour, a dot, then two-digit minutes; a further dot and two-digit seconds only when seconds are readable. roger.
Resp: 4.50.50
